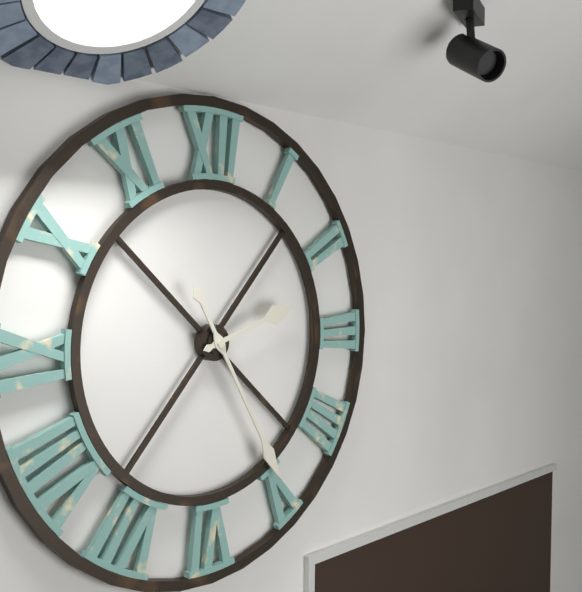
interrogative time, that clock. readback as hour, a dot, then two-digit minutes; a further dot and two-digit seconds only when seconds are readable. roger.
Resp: 2.25
